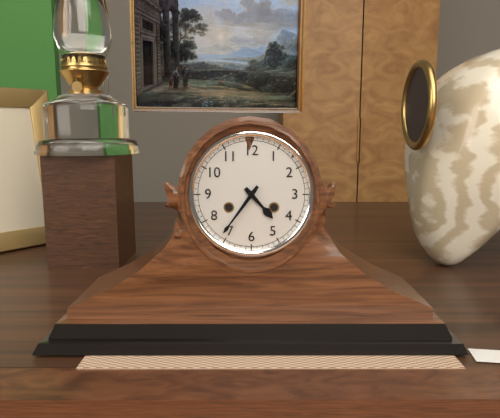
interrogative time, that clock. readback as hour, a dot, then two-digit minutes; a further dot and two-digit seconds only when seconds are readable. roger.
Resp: 4.36
